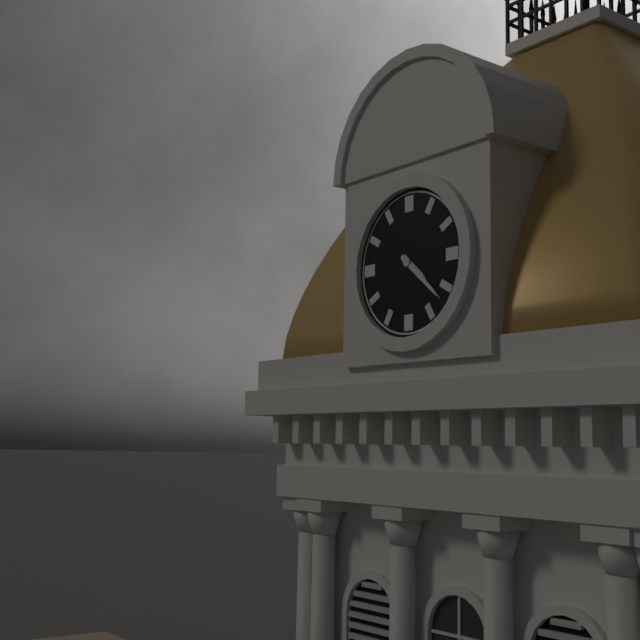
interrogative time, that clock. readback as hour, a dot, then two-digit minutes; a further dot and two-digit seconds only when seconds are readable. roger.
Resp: 4.22
